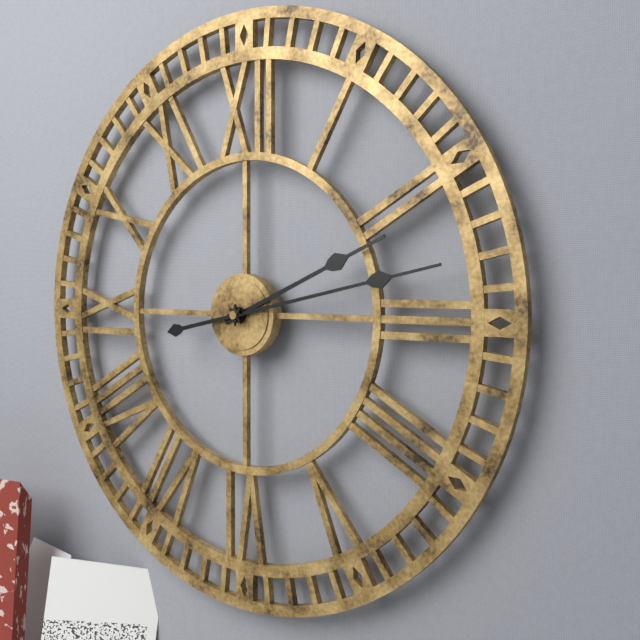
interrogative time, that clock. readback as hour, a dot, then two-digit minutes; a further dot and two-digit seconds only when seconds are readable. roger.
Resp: 2.13
